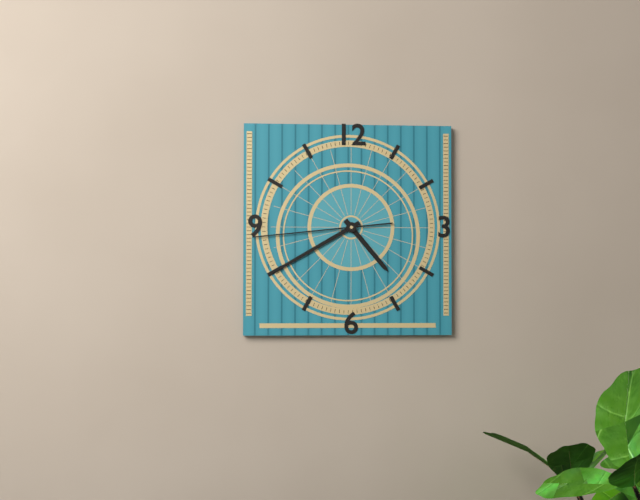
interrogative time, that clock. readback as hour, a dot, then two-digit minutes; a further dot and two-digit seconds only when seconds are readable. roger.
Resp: 4.40.44
